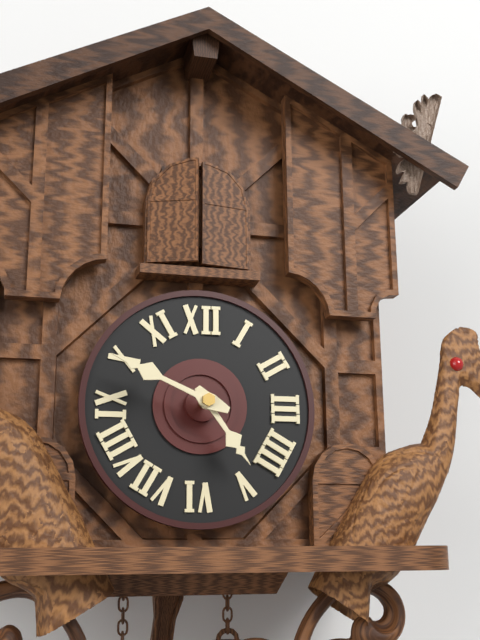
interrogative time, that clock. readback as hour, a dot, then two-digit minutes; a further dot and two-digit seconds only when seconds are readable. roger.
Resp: 4.49
